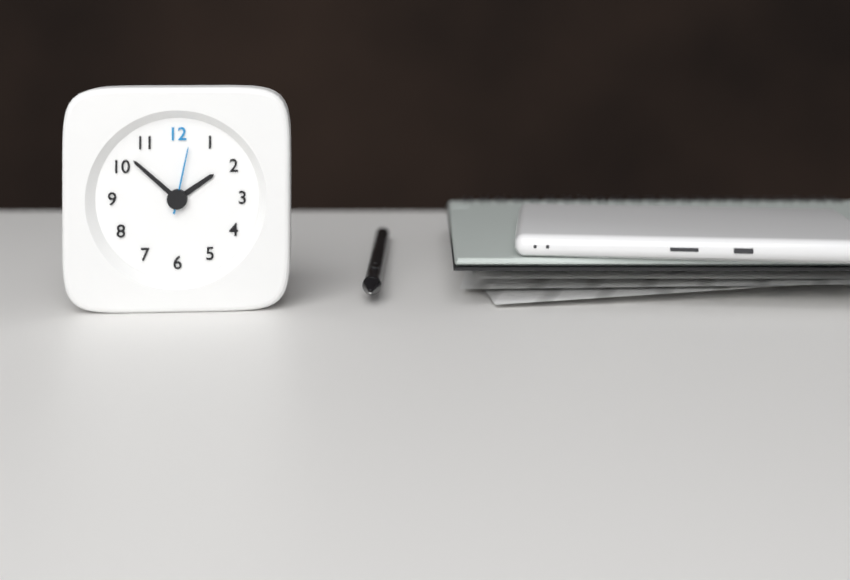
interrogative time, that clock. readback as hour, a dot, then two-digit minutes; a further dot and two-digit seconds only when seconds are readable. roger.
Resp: 1.52.02
